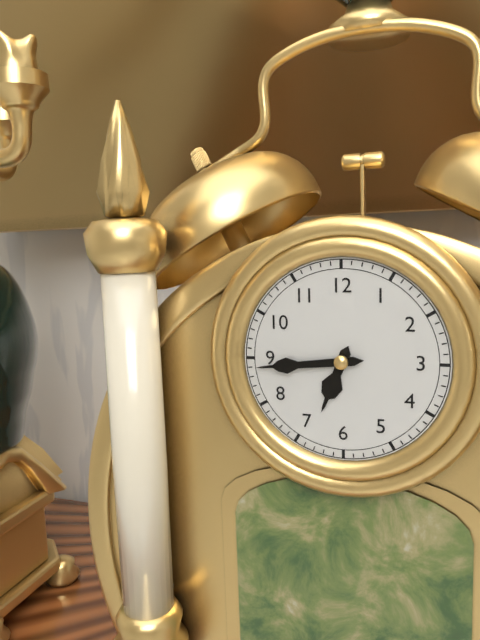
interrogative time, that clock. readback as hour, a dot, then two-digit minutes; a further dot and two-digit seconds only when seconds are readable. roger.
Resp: 6.44
